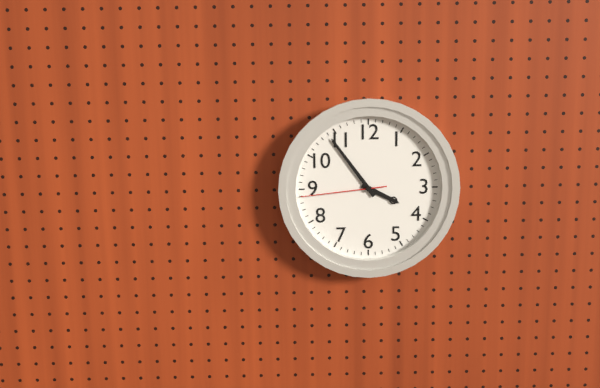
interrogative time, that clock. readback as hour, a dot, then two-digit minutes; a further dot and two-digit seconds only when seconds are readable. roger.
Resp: 3.54.44
